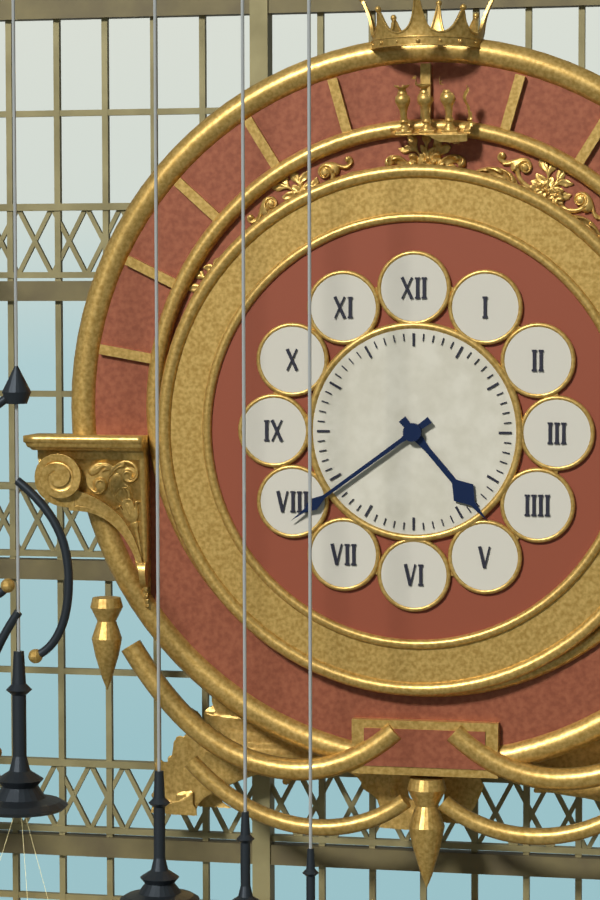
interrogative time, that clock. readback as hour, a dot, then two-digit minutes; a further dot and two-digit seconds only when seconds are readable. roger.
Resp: 4.39
